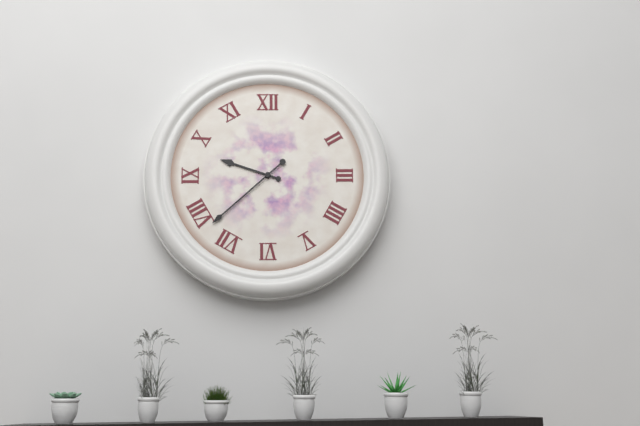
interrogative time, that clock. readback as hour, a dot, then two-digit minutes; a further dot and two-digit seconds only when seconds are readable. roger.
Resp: 9.38
